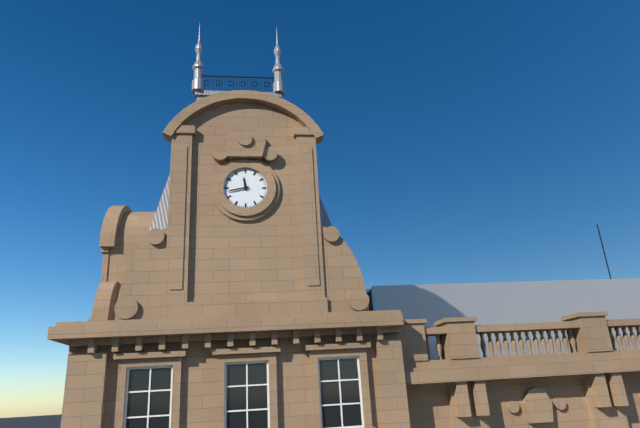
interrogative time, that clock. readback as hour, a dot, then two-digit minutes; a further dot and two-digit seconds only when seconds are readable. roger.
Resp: 11.43
